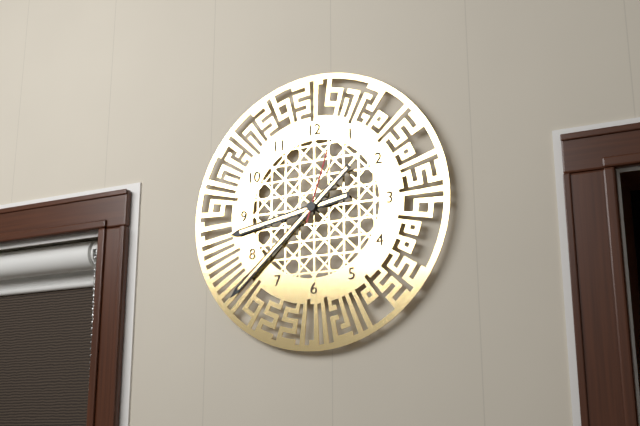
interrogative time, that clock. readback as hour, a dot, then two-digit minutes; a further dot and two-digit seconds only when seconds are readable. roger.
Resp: 8.38.03
